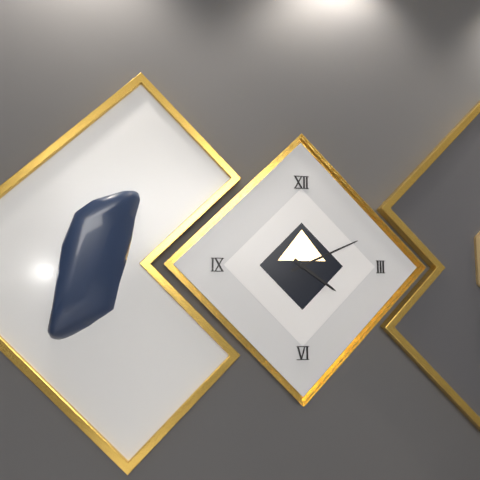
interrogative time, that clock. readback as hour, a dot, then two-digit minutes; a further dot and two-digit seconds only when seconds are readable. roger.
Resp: 4.11
